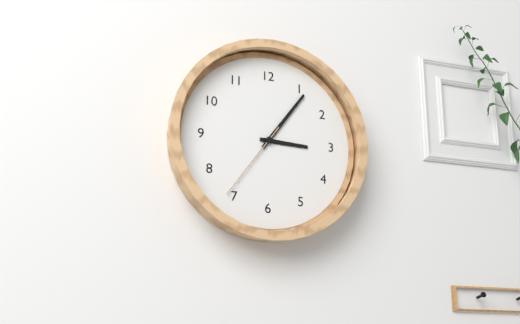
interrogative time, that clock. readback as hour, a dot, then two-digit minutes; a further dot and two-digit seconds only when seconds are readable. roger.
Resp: 3.06.36
